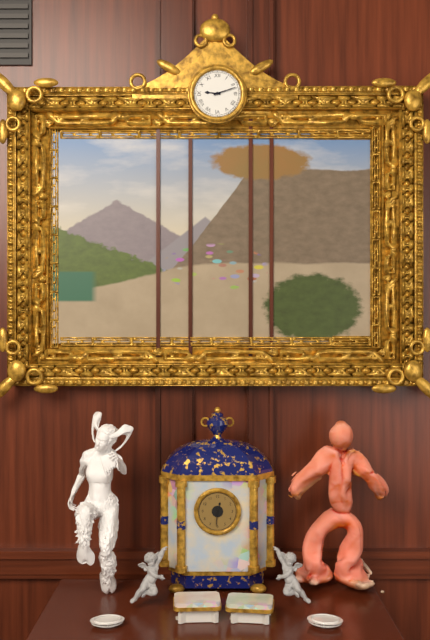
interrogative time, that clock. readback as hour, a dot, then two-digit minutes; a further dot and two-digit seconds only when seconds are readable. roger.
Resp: 9.12
